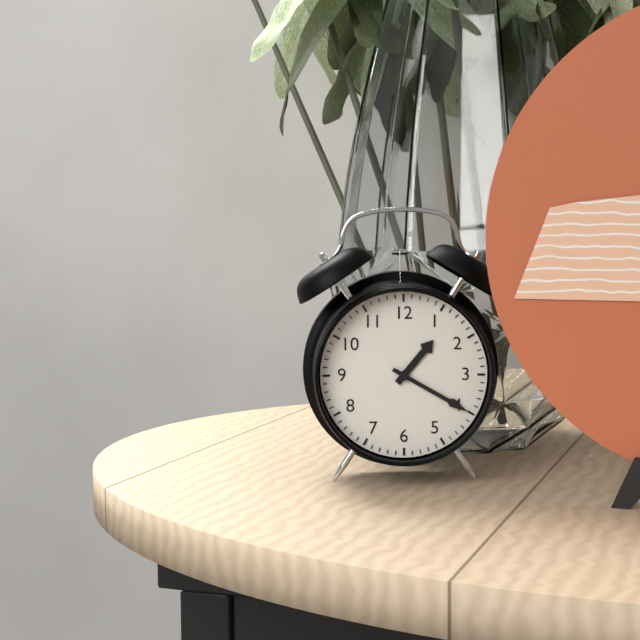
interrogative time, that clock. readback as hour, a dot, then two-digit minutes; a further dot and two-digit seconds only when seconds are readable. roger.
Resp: 1.20
